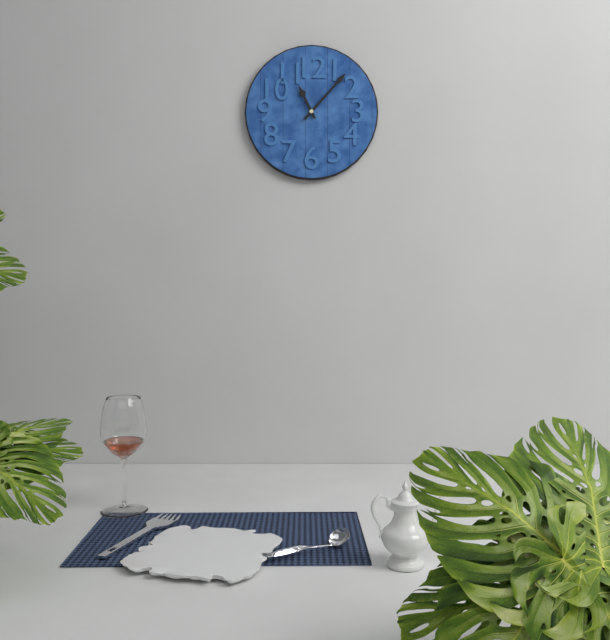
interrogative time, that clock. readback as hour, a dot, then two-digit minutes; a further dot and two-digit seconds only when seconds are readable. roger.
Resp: 11.07
